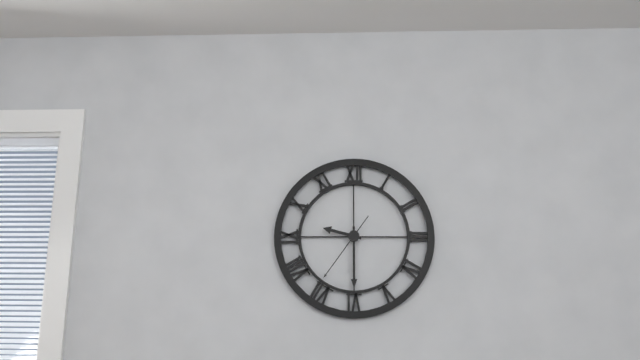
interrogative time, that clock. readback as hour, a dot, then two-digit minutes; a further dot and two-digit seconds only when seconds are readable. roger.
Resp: 9.30.36
